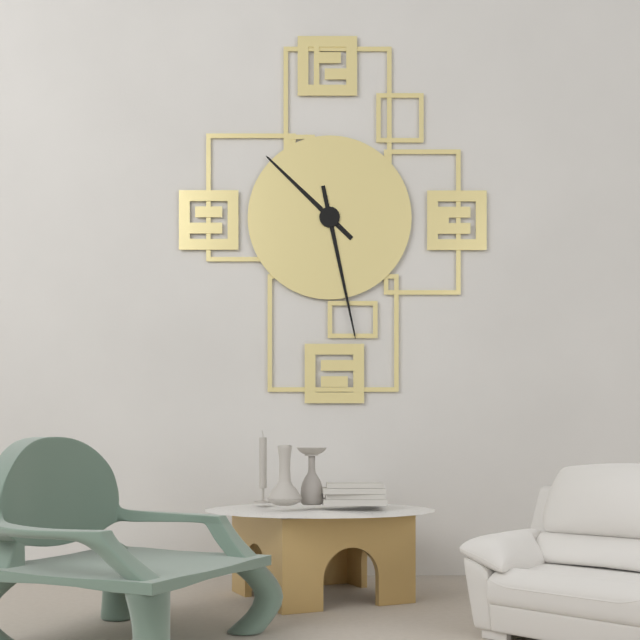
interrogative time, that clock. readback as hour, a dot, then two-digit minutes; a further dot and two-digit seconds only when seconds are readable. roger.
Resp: 10.28
